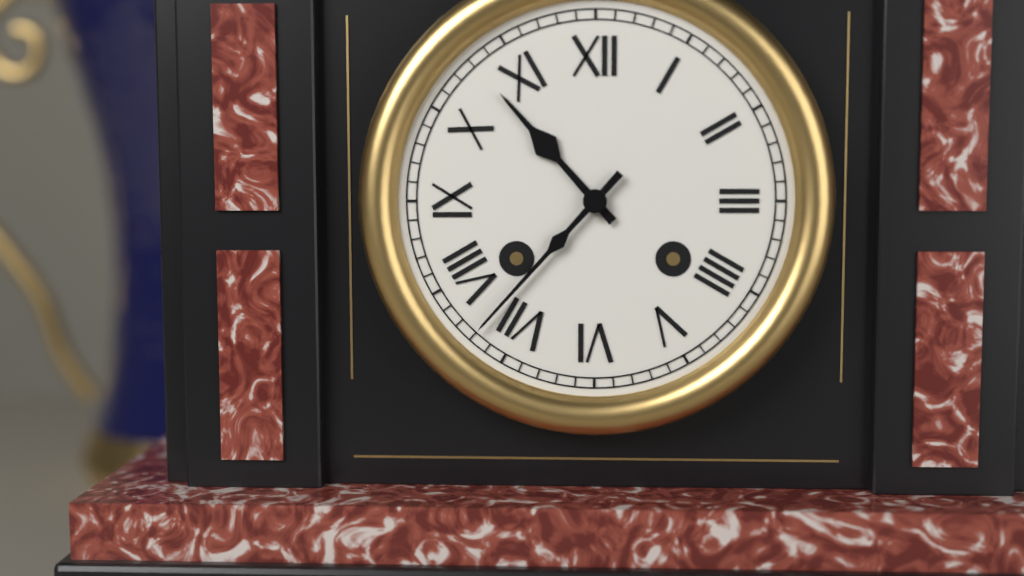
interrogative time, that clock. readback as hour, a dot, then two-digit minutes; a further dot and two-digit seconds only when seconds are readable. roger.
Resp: 10.37
